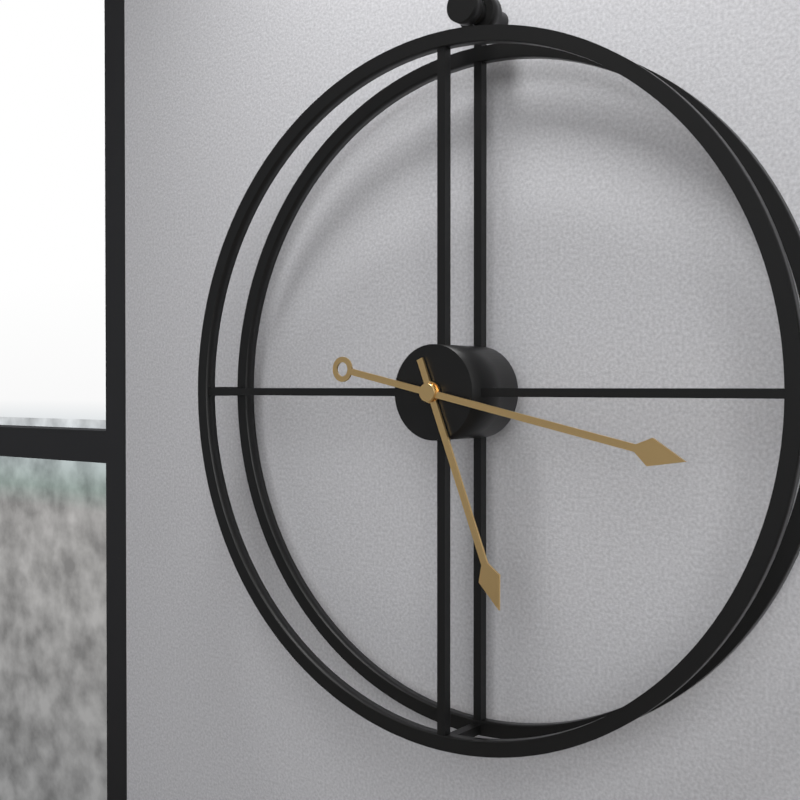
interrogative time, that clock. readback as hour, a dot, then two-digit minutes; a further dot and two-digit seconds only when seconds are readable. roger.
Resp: 5.17
